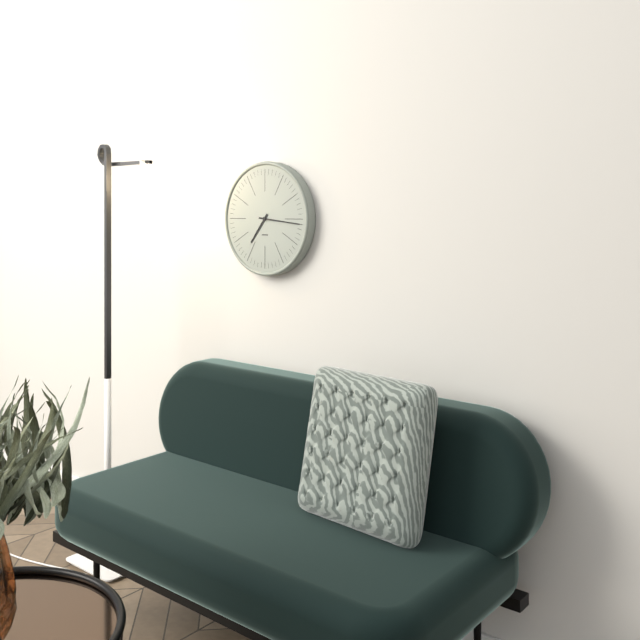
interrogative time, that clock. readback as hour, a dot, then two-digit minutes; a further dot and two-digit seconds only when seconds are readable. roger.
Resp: 7.16
